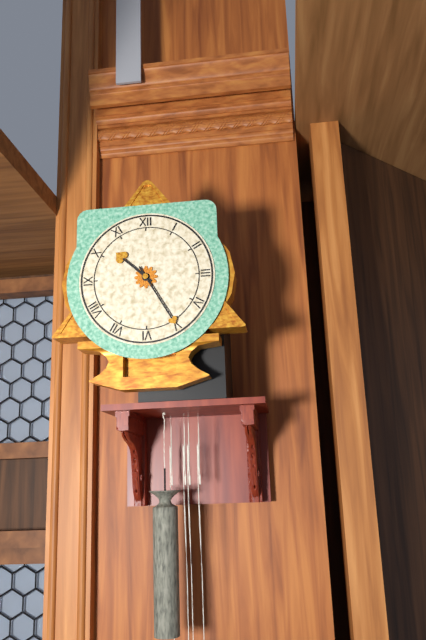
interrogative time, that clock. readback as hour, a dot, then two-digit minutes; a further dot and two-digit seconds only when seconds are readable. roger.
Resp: 10.25
